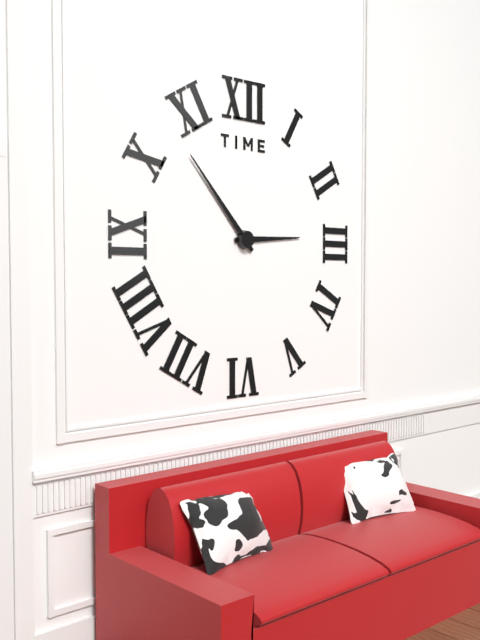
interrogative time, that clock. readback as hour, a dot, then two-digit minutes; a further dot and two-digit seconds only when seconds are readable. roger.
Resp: 2.53
